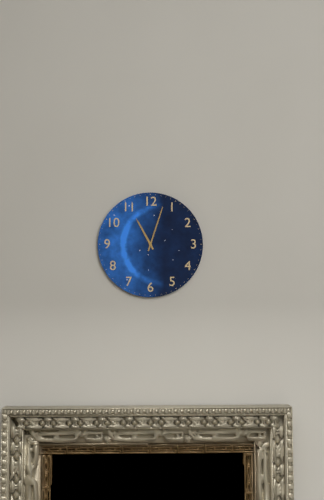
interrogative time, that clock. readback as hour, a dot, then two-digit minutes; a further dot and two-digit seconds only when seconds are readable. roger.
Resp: 11.03
